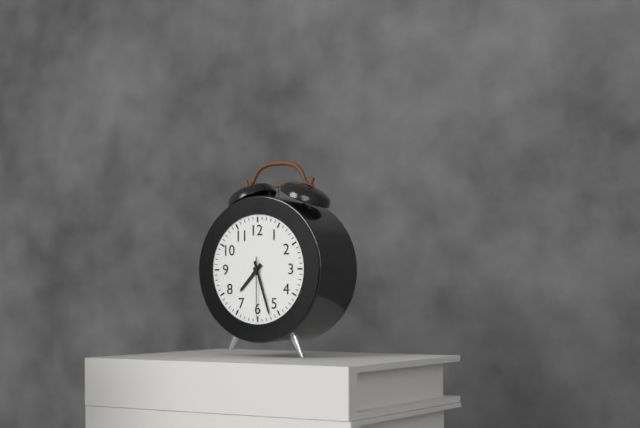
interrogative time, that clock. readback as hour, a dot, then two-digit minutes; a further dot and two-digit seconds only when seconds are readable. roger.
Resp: 7.27.30
